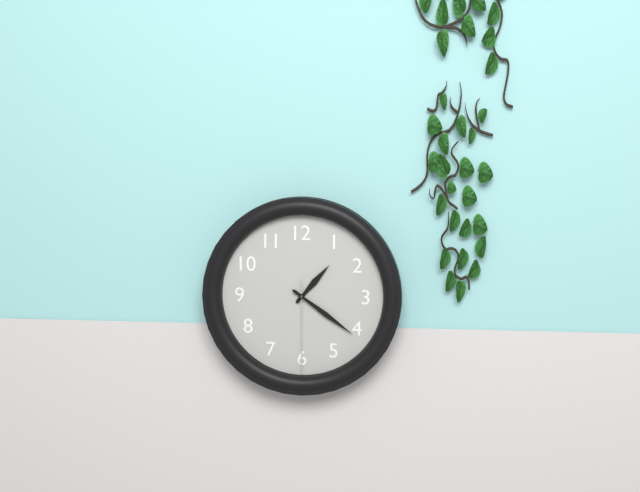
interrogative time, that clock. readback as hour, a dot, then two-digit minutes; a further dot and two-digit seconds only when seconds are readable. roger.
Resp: 1.21.30
